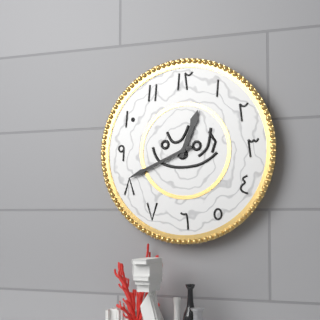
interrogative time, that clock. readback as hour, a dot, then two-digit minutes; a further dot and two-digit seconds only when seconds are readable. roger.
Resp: 12.41
